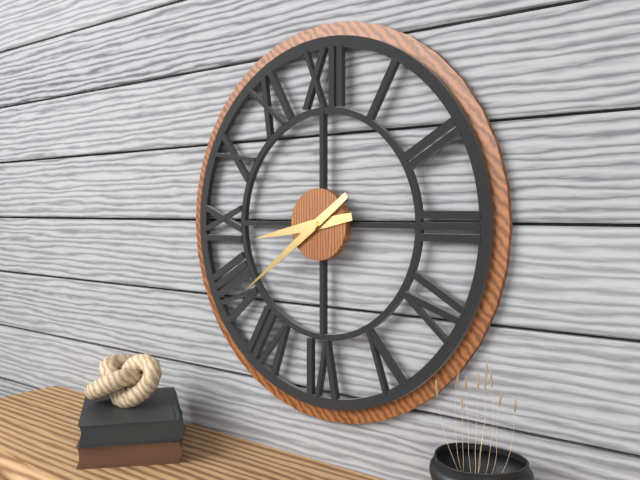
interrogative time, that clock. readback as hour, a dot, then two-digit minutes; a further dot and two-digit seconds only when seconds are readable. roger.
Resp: 8.39
